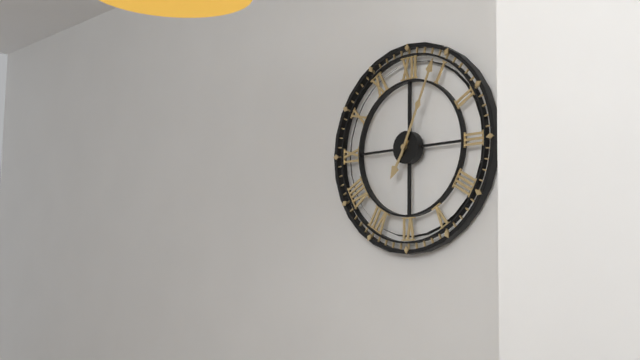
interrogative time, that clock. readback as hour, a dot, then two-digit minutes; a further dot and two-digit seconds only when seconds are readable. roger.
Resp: 7.04
